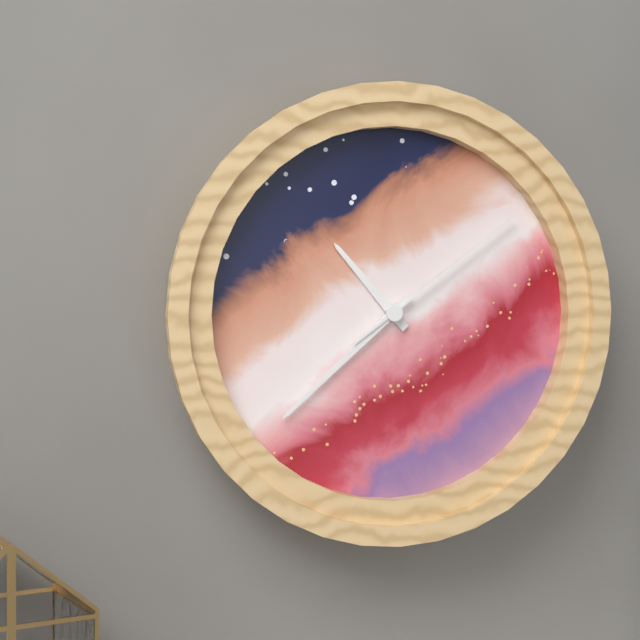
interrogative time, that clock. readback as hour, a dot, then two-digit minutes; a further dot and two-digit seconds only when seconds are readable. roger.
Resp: 10.38.09
